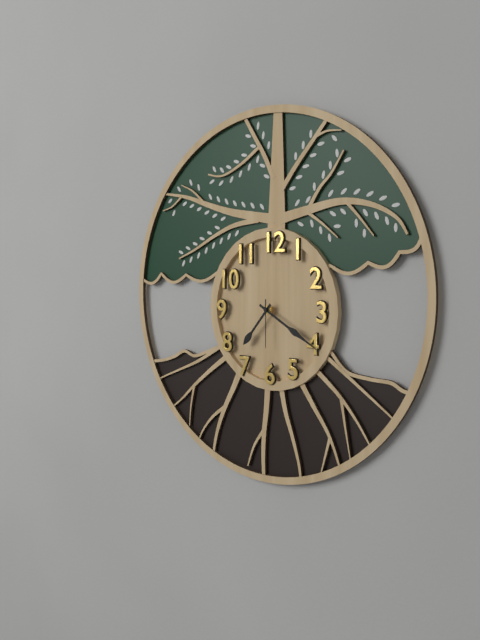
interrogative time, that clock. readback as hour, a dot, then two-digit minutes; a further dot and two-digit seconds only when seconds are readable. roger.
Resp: 7.20
